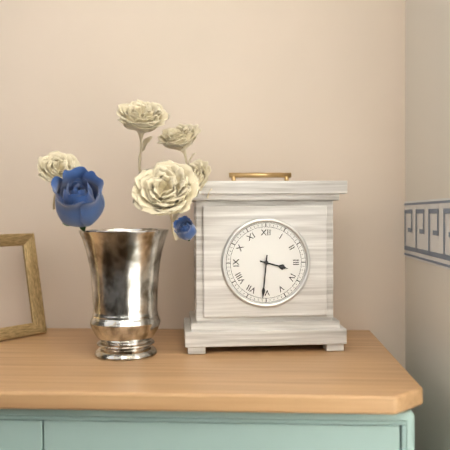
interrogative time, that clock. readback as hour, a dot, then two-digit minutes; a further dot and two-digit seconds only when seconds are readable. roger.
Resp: 3.31
